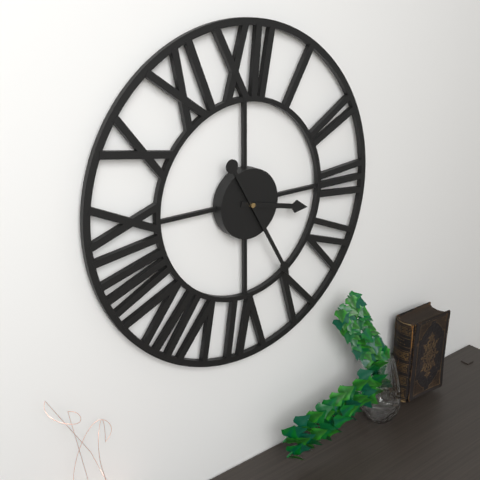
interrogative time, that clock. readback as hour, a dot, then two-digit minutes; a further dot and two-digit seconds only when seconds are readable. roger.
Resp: 3.25
